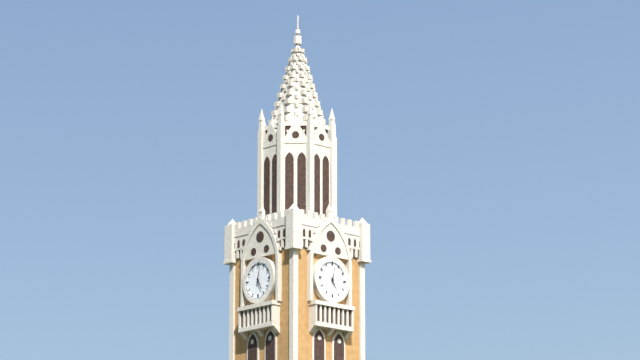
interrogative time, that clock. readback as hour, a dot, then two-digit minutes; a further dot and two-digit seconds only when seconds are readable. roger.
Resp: 5.02
